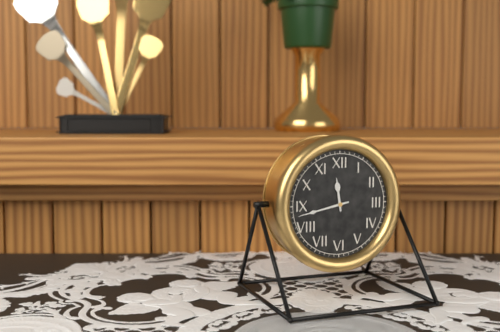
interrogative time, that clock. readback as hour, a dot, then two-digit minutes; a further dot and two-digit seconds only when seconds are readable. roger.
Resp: 11.43
